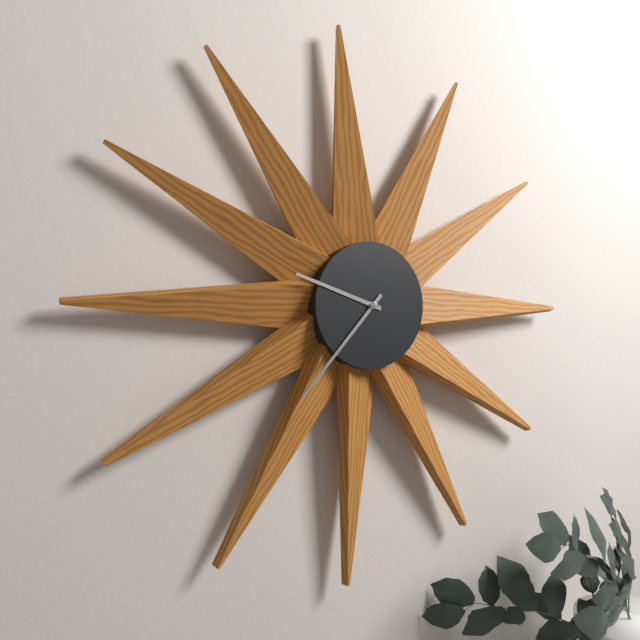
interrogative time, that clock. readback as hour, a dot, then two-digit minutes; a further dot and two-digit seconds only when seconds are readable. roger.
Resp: 9.37
